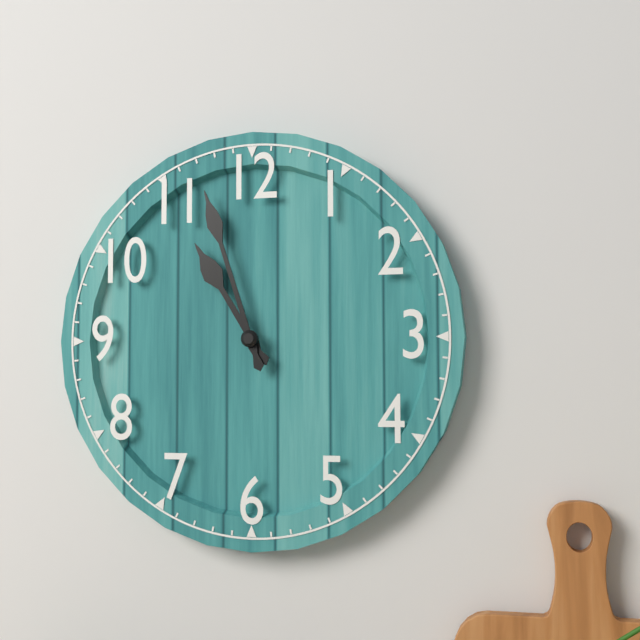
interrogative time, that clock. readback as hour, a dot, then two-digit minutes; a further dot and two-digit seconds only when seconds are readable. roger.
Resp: 10.57
